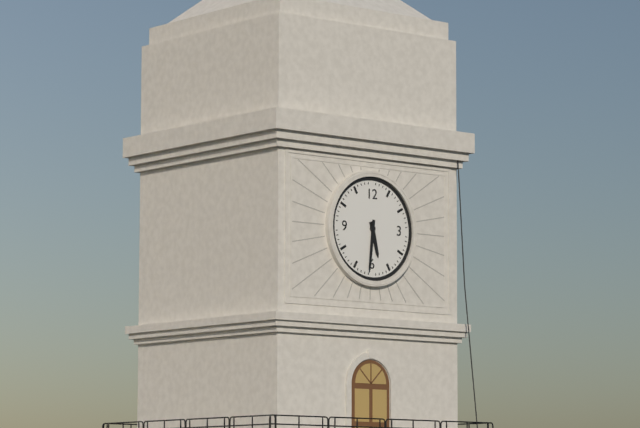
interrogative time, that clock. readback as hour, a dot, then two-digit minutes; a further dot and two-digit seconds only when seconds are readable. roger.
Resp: 5.31
